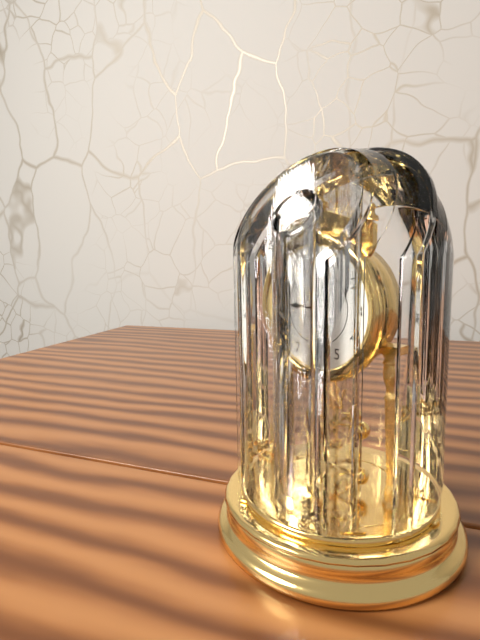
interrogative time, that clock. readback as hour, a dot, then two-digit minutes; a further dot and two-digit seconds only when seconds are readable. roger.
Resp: 9.02
